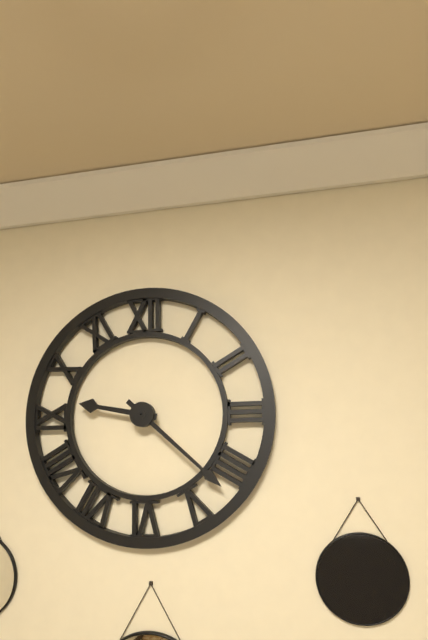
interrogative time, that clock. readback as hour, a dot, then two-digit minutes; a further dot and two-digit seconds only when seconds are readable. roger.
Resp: 9.22
